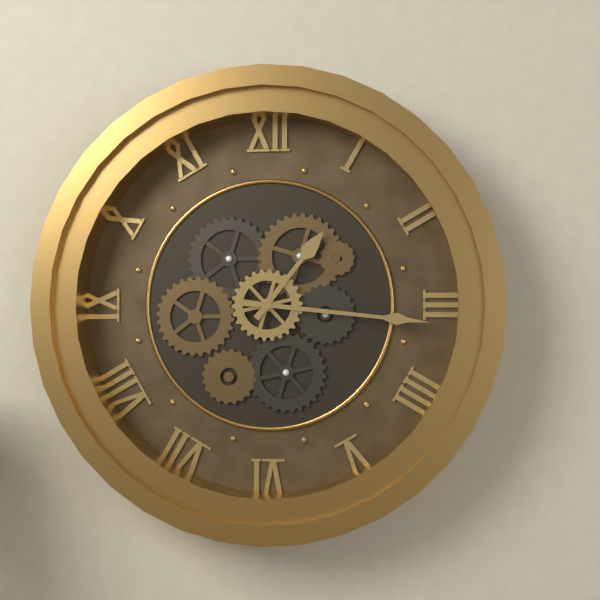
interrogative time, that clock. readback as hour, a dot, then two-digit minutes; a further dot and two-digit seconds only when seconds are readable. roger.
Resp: 1.16
